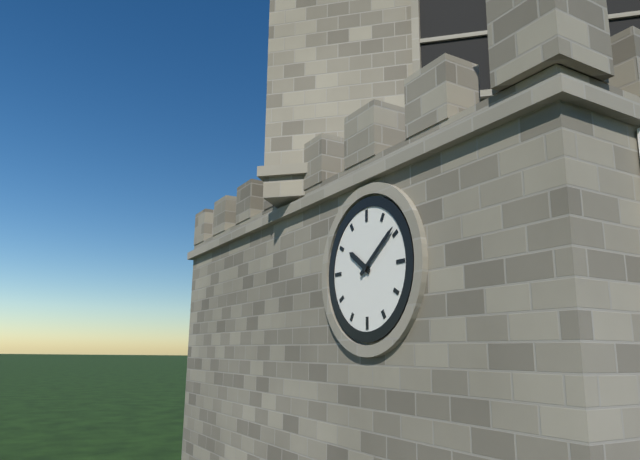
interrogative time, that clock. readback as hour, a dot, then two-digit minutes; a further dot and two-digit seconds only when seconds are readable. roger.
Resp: 10.09
